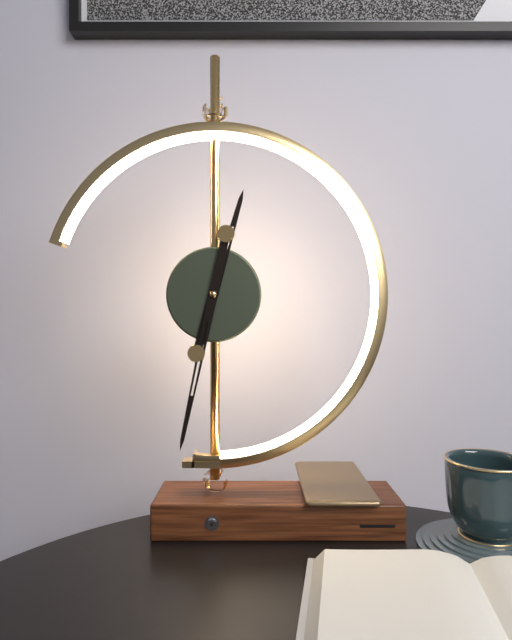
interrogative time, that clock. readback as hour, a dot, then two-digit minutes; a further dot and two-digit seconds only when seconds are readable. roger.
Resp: 12.32
